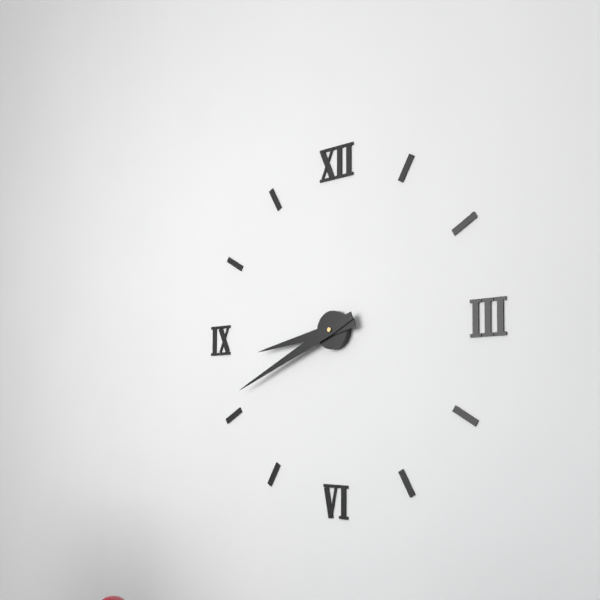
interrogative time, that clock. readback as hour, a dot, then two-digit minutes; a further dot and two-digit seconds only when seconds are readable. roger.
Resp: 8.41
